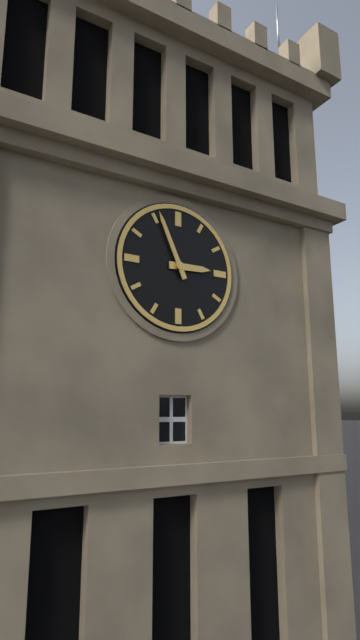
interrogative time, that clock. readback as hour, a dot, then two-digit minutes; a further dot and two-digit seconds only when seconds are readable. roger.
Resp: 2.56
